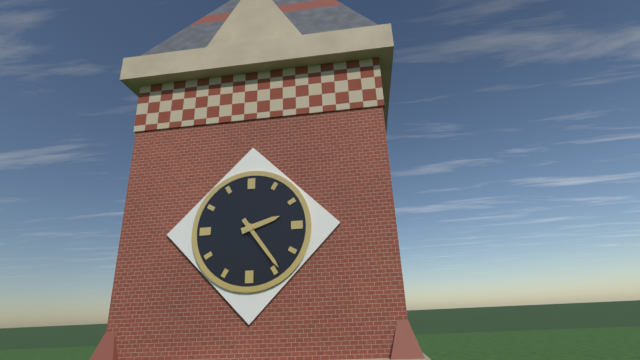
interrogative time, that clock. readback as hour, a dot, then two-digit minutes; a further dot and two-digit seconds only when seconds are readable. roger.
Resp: 2.24
